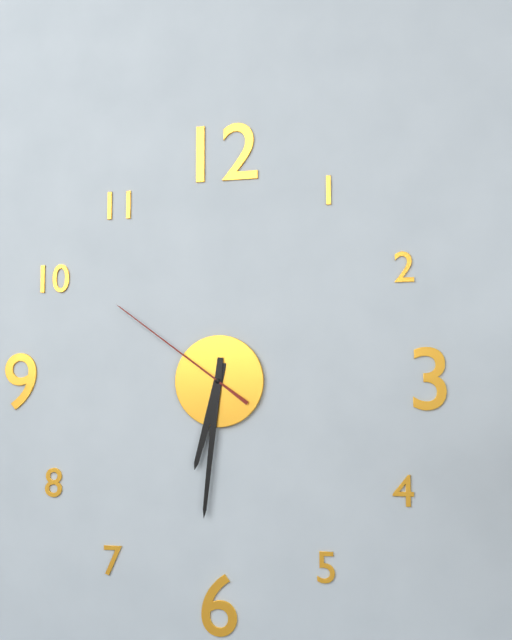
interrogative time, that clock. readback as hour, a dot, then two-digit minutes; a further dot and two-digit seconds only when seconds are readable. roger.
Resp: 6.31.51
